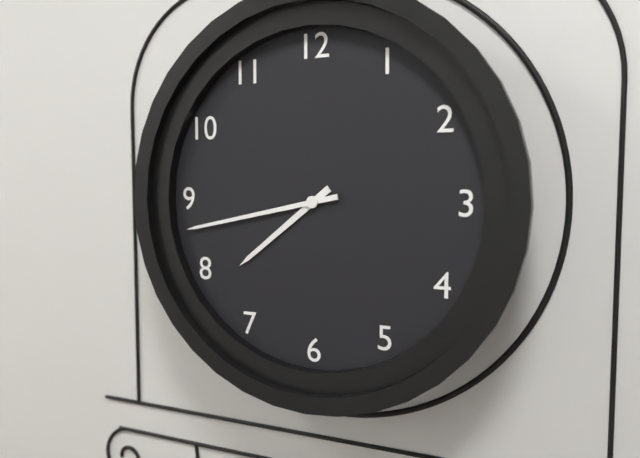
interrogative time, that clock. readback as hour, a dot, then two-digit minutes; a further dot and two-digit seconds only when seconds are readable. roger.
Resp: 7.43
